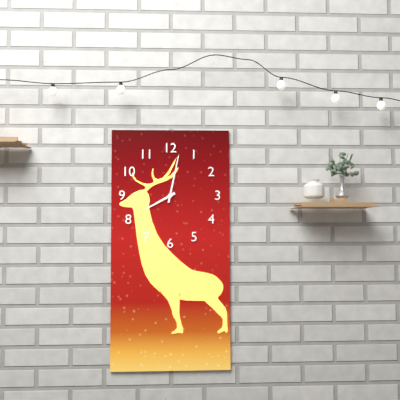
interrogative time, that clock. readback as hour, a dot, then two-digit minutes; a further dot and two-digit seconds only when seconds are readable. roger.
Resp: 8.02
